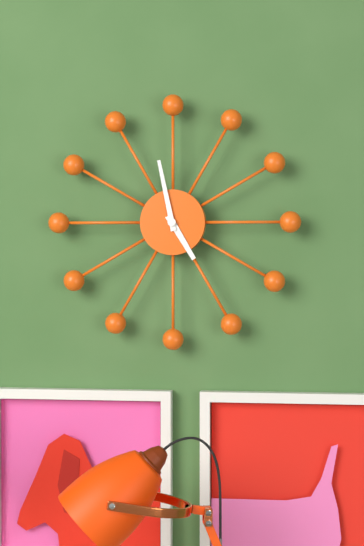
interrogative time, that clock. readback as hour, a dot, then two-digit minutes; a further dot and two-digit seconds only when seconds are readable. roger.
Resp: 4.58
